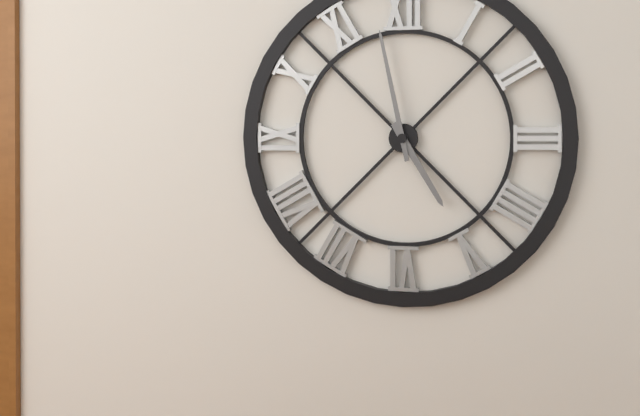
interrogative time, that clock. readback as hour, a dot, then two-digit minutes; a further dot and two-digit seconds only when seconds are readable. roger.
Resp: 4.58
